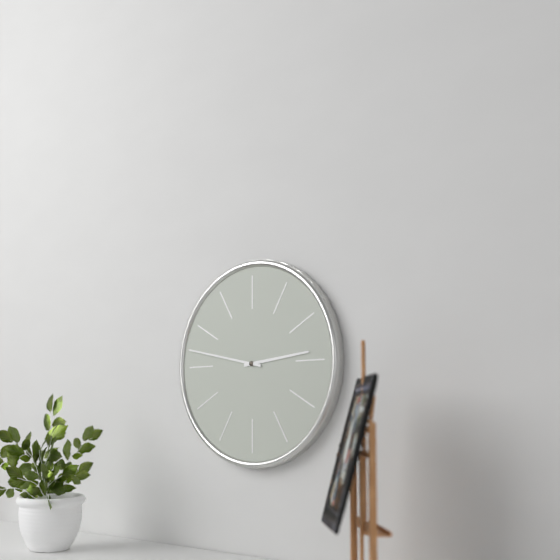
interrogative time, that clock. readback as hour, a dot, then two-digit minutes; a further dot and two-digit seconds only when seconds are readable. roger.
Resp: 2.47
